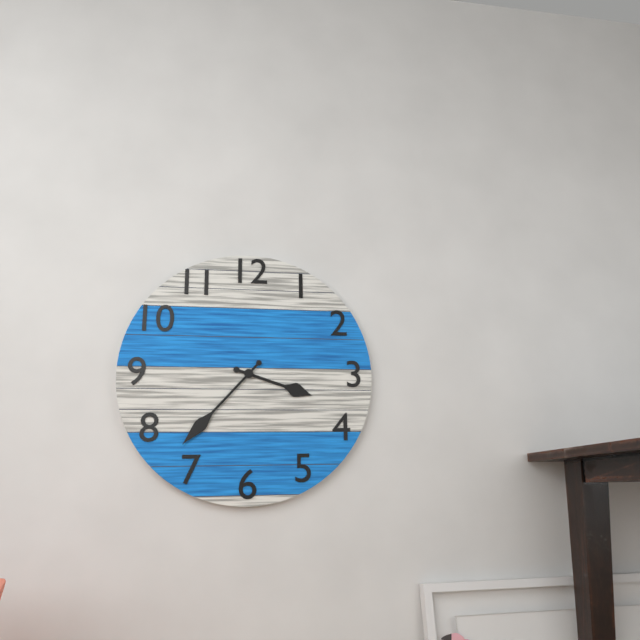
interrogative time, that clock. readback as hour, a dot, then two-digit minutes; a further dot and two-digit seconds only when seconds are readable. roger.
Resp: 3.37
